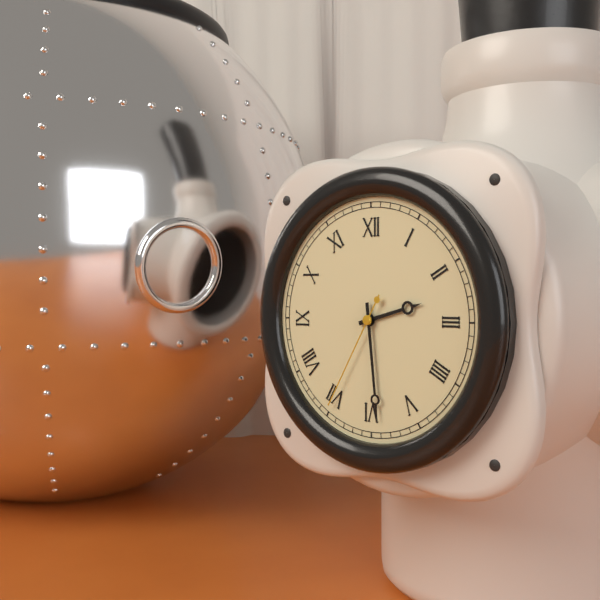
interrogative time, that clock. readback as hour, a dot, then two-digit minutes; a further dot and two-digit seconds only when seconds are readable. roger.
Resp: 2.29.35
